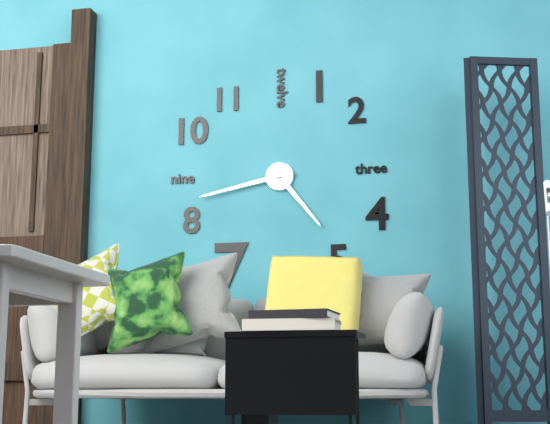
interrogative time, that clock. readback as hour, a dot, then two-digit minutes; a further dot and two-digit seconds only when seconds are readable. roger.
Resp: 4.43
